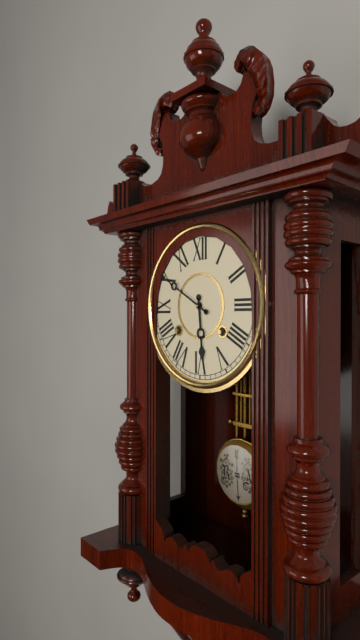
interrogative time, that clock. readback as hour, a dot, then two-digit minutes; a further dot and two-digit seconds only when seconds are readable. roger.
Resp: 5.50
